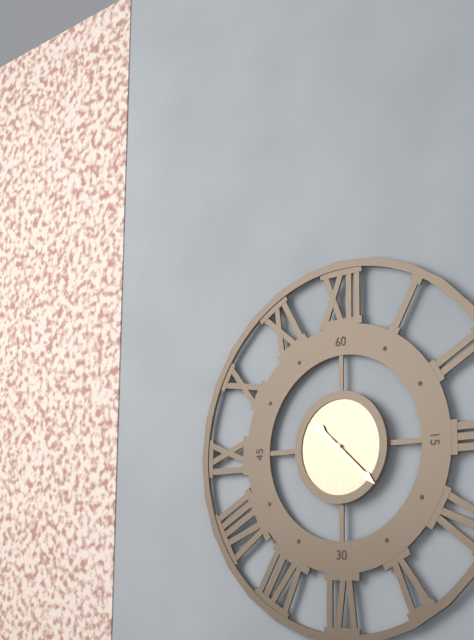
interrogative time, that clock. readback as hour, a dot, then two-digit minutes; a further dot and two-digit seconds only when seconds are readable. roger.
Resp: 10.22
